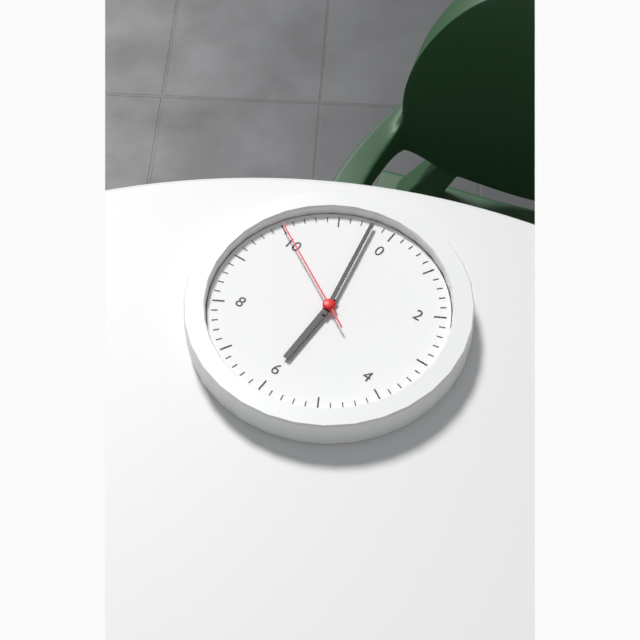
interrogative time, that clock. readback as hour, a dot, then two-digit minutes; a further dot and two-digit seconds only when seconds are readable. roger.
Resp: 5.58.50
